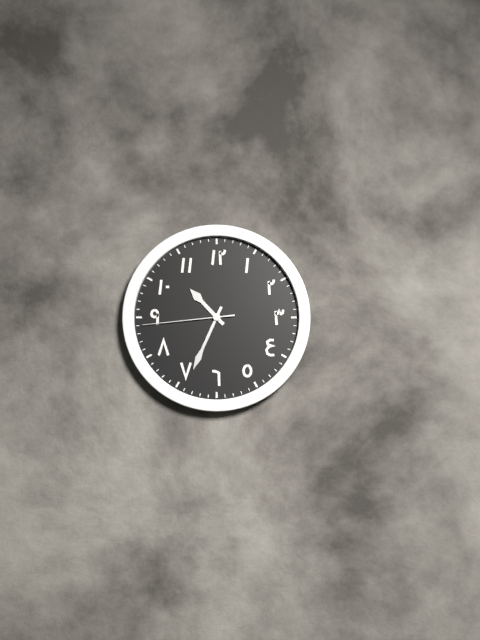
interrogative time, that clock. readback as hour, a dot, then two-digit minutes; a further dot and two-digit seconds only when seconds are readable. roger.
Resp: 10.34.44
